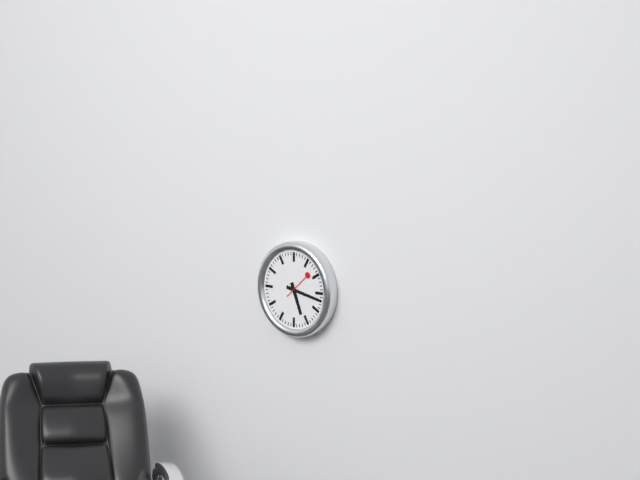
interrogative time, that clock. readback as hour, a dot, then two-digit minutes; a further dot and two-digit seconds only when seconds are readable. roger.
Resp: 5.17
